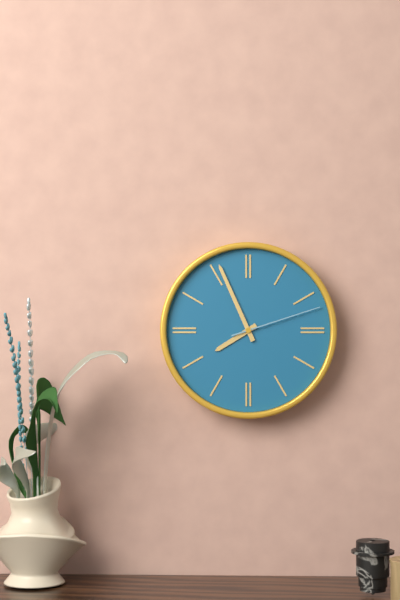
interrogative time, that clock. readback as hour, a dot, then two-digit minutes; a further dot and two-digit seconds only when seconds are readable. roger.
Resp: 7.56.12
